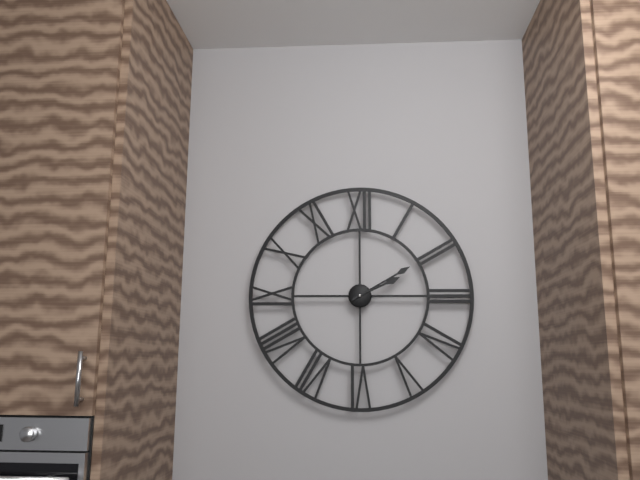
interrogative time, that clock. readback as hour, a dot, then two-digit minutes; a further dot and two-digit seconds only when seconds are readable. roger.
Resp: 2.10
